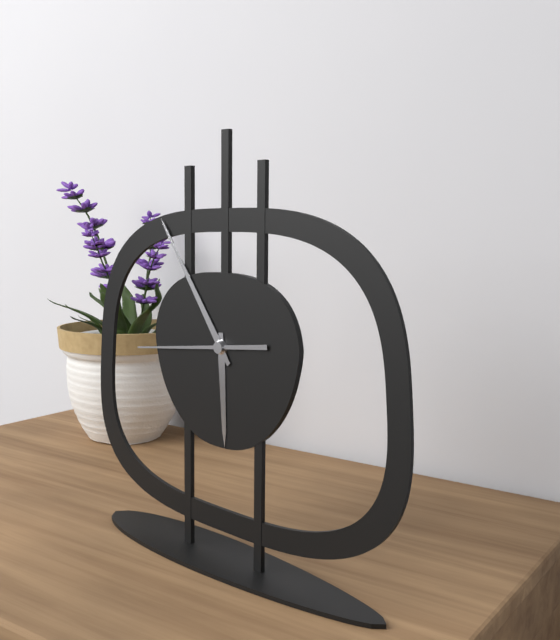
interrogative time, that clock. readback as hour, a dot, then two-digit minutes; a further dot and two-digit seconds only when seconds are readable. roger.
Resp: 5.54.44
